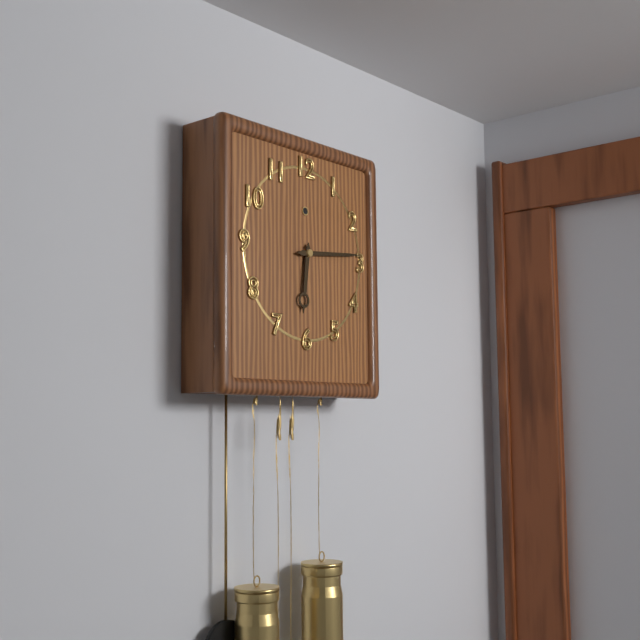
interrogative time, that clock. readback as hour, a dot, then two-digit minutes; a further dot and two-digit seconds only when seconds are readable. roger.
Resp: 6.14
